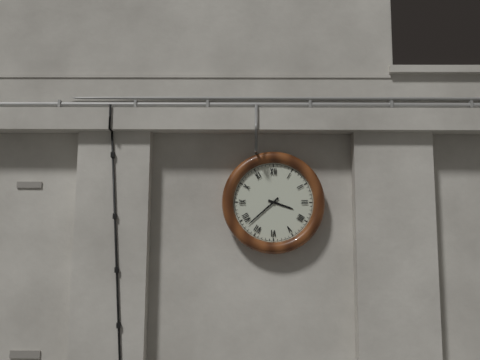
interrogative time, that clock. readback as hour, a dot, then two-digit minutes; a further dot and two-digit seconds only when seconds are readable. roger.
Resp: 3.38
